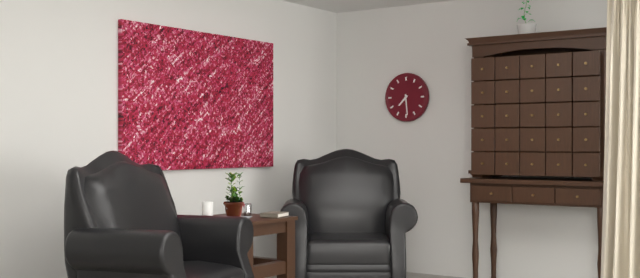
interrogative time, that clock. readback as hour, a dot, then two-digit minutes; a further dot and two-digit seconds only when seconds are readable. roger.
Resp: 7.29
